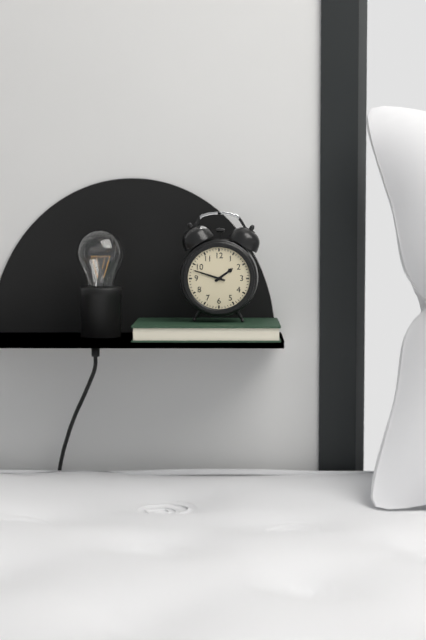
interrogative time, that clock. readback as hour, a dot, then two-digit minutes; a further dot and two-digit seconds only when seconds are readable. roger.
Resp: 1.48
